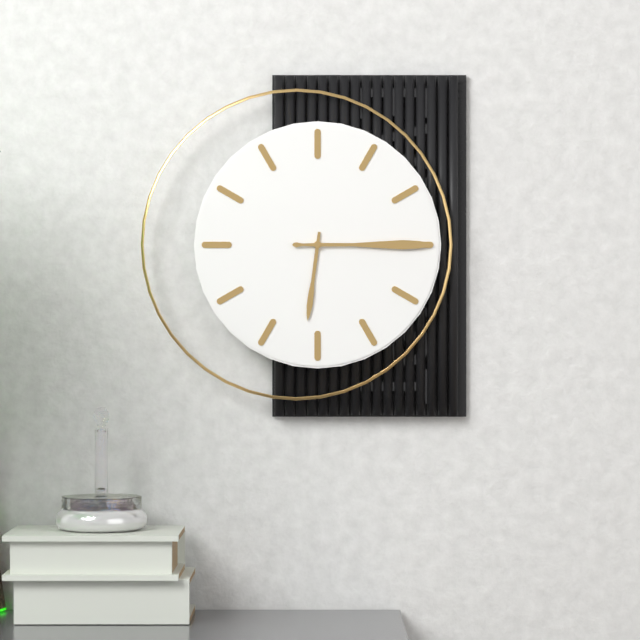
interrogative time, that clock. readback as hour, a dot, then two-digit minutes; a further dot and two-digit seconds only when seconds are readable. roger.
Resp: 6.15
